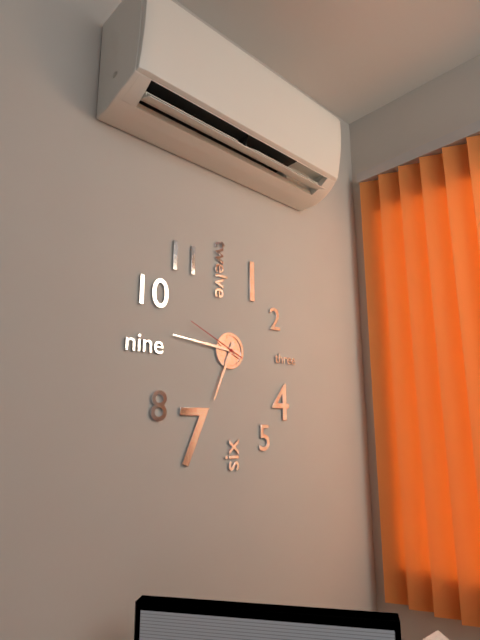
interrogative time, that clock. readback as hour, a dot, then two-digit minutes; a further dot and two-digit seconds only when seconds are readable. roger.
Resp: 6.46.49
